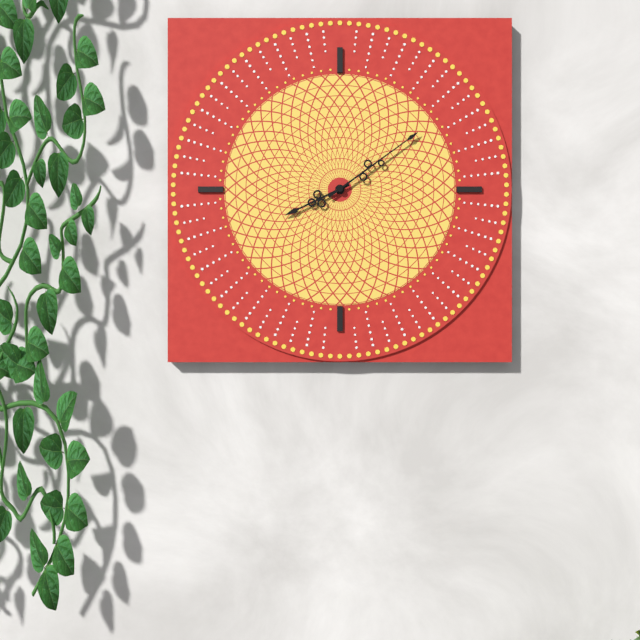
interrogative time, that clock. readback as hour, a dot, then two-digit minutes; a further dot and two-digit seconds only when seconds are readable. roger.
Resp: 8.09
